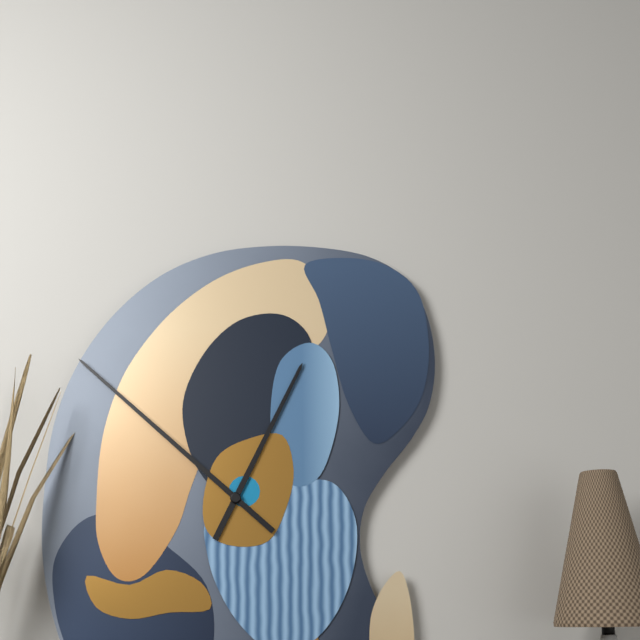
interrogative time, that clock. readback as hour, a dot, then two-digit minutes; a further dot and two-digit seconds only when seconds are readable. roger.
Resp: 12.52
